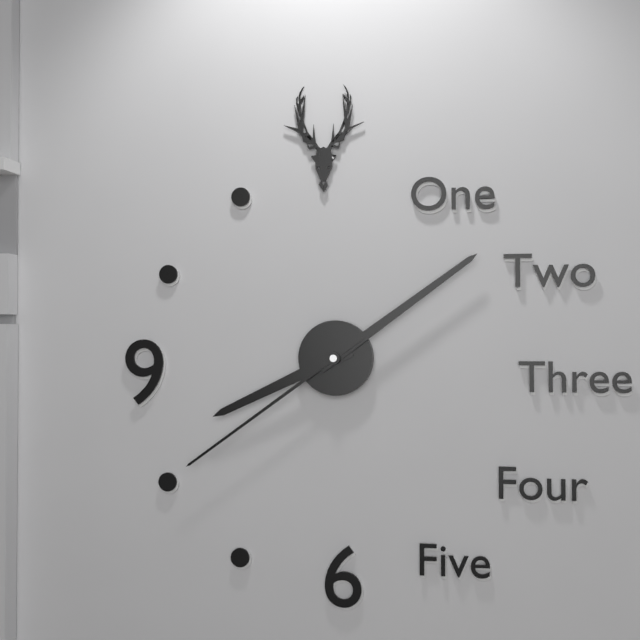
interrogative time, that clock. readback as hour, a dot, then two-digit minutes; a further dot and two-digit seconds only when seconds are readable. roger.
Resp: 8.09.39
